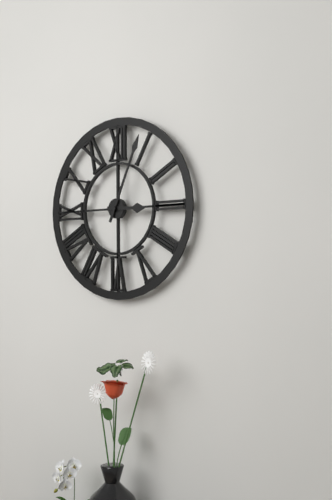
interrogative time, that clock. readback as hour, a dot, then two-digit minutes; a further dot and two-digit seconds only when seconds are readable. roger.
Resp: 3.04
